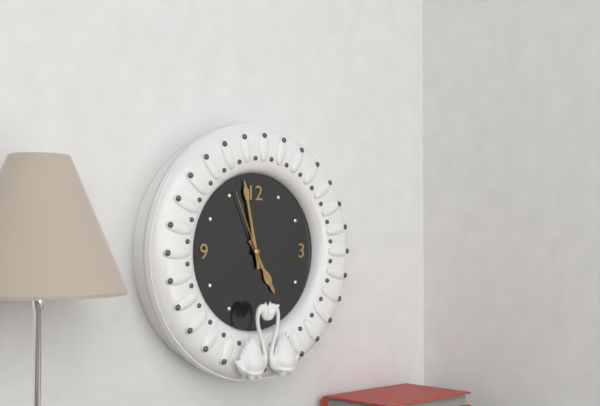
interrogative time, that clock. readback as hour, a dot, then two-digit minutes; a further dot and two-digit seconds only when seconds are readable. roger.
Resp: 4.58.56
